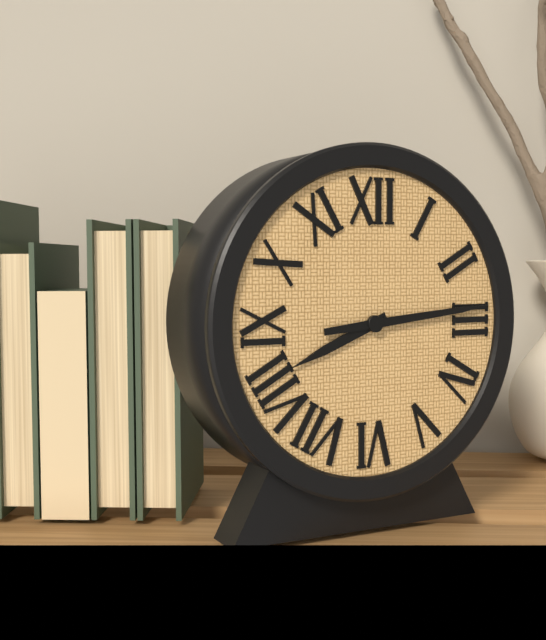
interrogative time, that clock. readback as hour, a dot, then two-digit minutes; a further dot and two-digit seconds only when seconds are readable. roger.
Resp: 8.14
